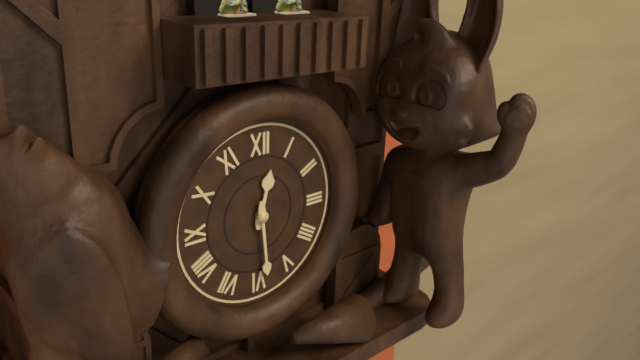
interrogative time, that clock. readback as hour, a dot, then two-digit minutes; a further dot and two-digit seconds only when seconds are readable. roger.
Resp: 12.29
